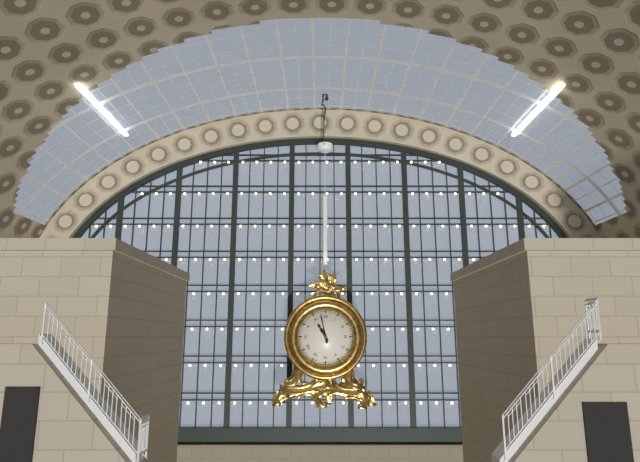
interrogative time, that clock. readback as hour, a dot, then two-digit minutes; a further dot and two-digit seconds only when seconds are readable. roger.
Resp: 10.58
